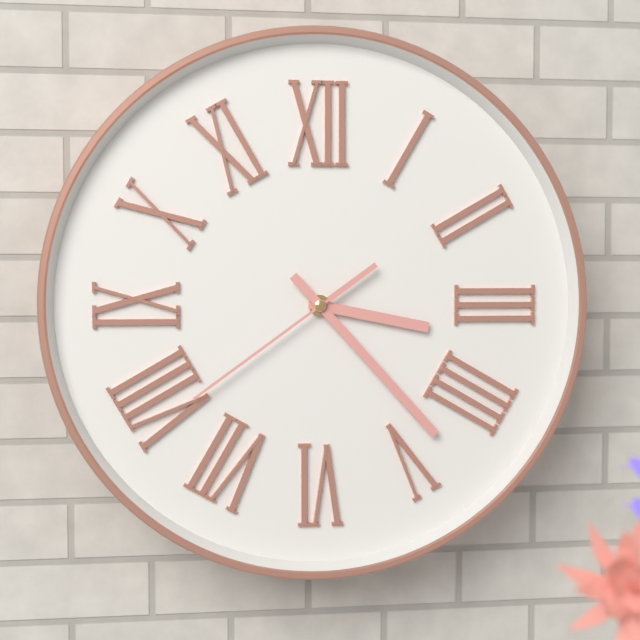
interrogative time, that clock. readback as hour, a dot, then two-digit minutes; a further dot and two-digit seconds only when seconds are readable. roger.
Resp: 3.23.39
